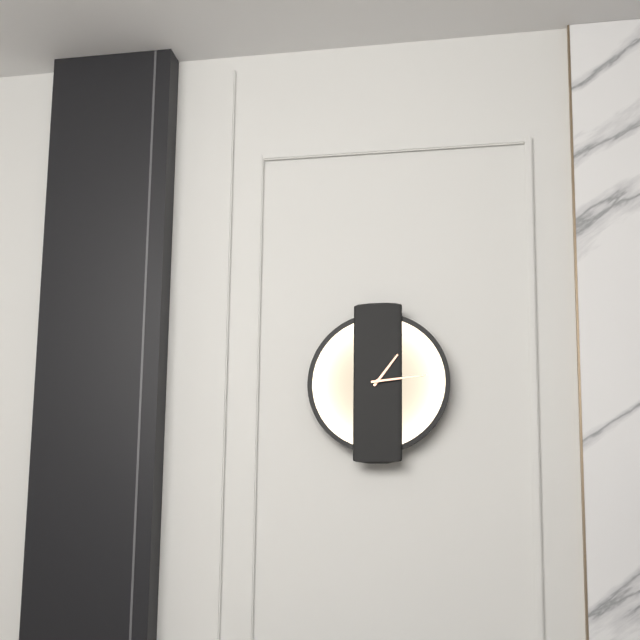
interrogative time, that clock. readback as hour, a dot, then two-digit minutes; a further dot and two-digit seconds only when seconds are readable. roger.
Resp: 1.14
